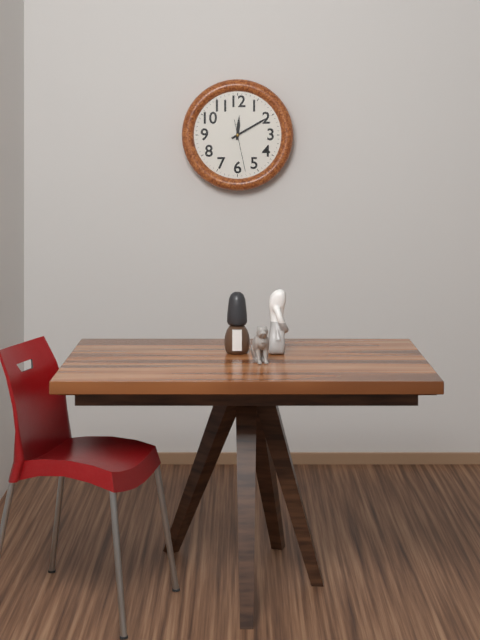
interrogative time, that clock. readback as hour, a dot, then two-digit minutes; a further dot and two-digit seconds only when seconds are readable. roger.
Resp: 12.10
